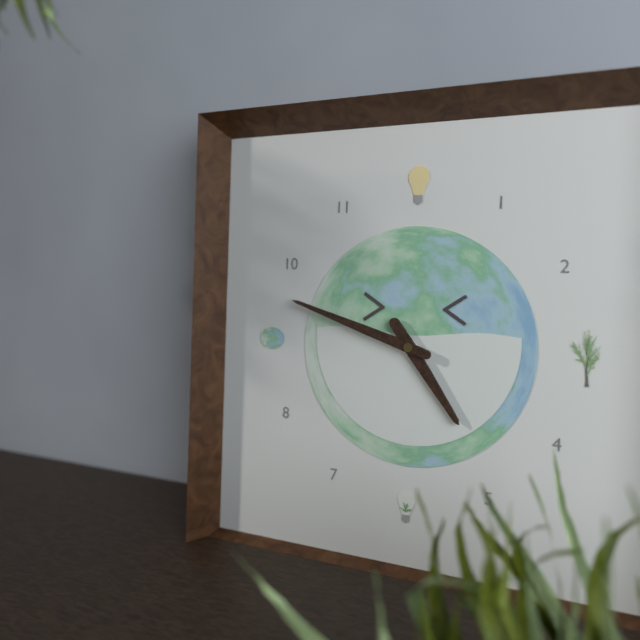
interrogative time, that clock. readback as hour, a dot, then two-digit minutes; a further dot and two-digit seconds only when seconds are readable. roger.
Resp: 4.48
